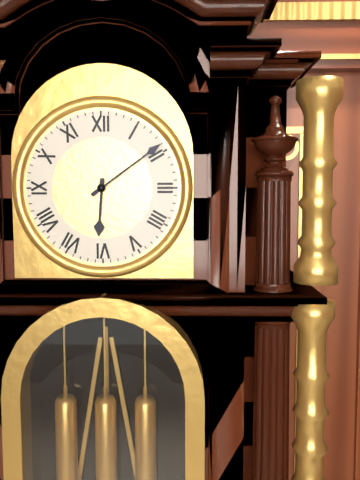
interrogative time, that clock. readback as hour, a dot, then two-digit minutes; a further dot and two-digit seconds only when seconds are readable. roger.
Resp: 6.09
